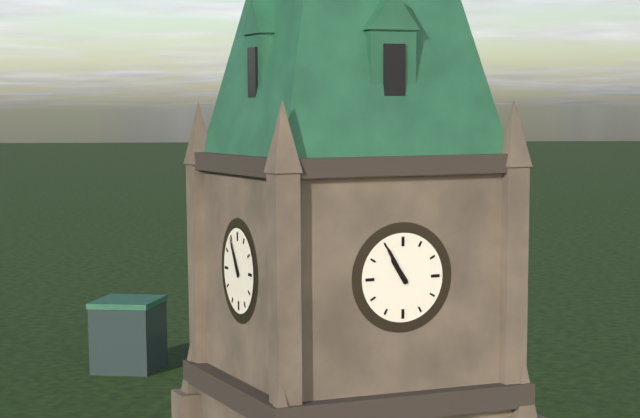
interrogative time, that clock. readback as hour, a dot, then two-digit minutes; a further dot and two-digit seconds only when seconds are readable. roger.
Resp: 10.55
